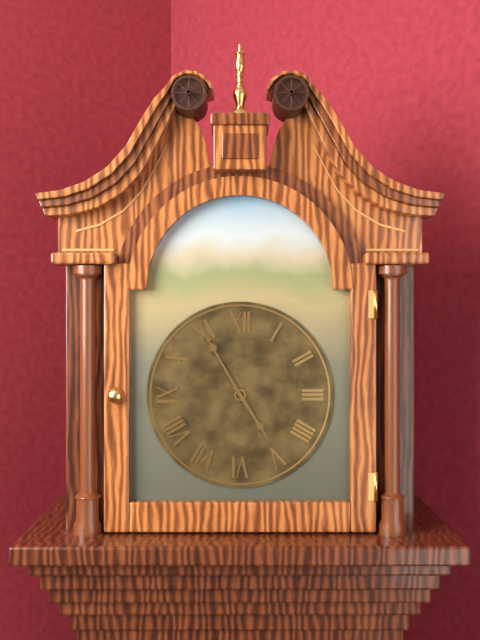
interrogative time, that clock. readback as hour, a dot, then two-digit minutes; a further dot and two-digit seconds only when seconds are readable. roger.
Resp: 4.55
